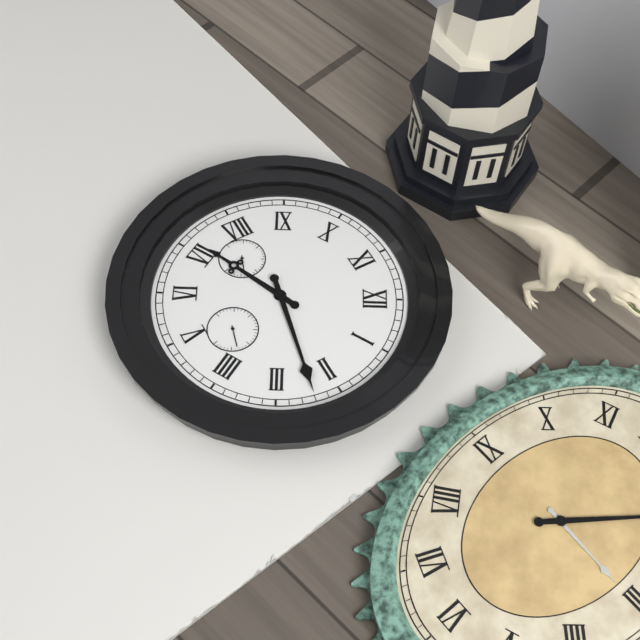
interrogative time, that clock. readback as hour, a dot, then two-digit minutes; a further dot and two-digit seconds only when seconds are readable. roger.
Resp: 7.12
